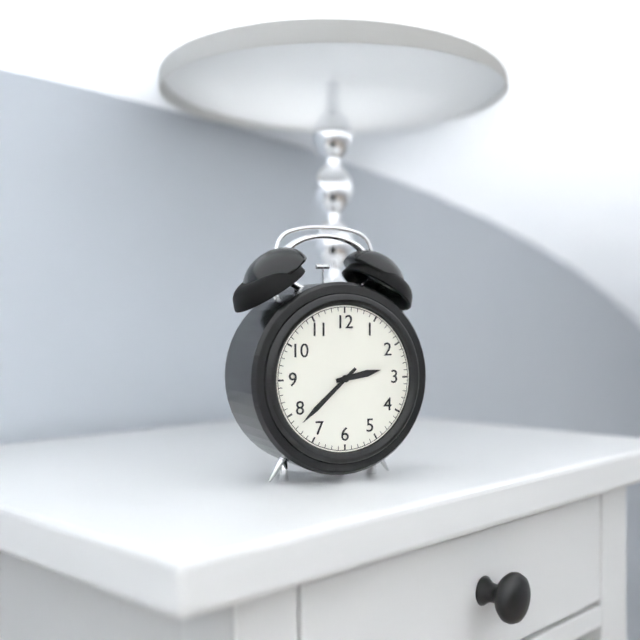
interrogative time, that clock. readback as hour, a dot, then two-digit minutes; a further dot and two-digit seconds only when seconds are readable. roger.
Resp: 2.38
